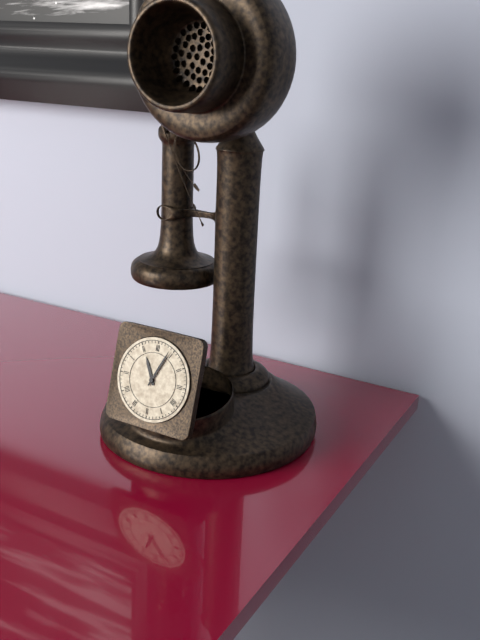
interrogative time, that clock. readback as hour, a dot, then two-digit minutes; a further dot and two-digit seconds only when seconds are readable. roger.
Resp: 11.04
